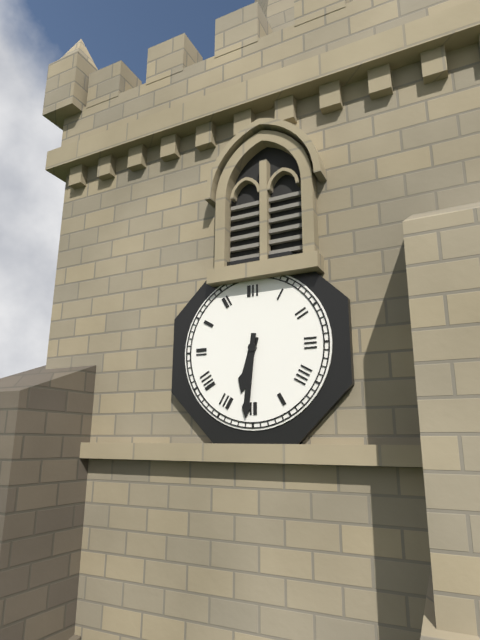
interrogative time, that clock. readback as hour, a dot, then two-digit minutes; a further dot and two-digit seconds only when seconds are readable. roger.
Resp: 6.31
